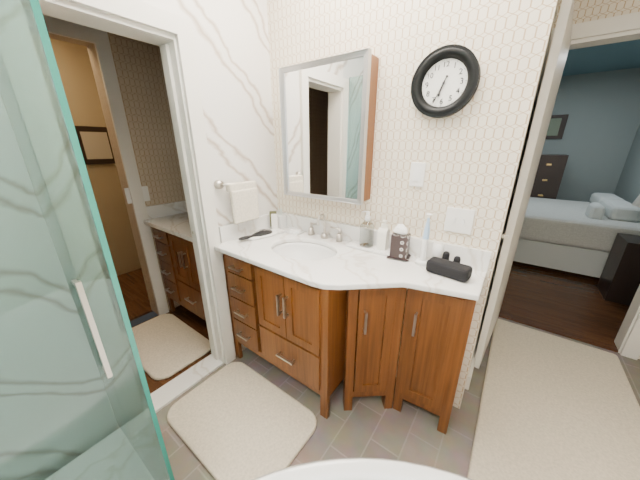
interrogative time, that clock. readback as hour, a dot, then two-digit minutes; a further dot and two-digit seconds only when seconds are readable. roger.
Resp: 6.34
